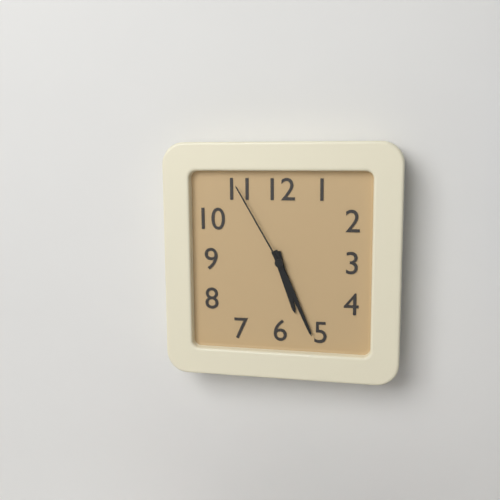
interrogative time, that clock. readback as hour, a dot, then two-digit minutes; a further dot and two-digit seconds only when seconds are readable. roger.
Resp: 5.26.55
